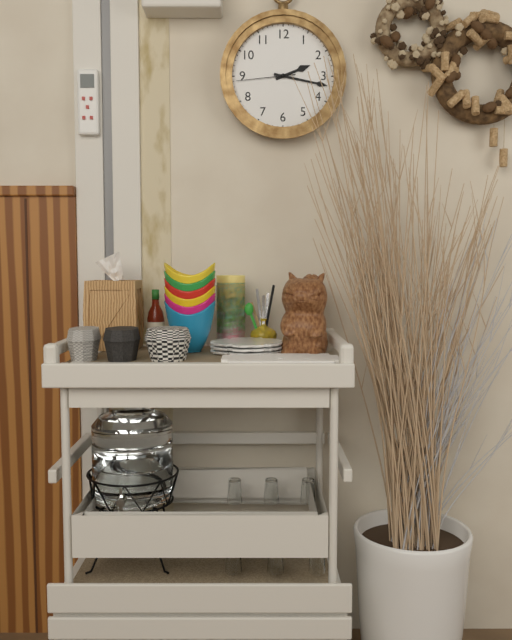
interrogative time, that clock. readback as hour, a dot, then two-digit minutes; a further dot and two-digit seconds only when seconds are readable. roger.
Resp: 2.17.44
